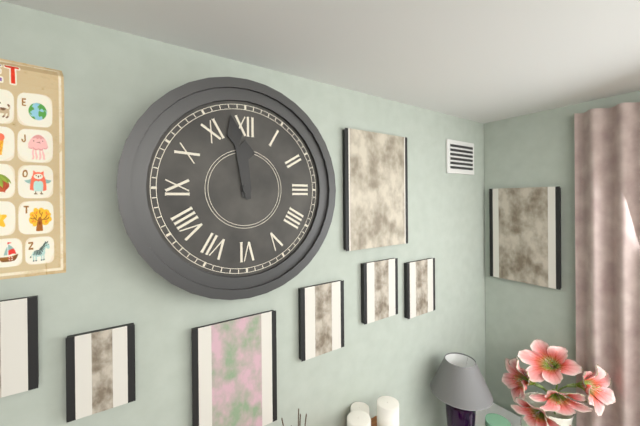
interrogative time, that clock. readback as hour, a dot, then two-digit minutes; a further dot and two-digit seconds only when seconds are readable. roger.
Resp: 11.58
